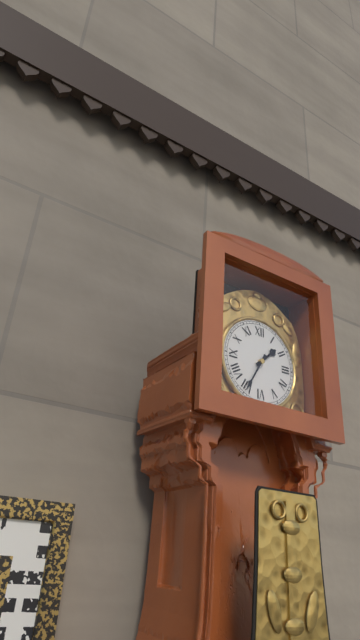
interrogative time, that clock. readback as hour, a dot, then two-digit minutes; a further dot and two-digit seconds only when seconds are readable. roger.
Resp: 1.35
